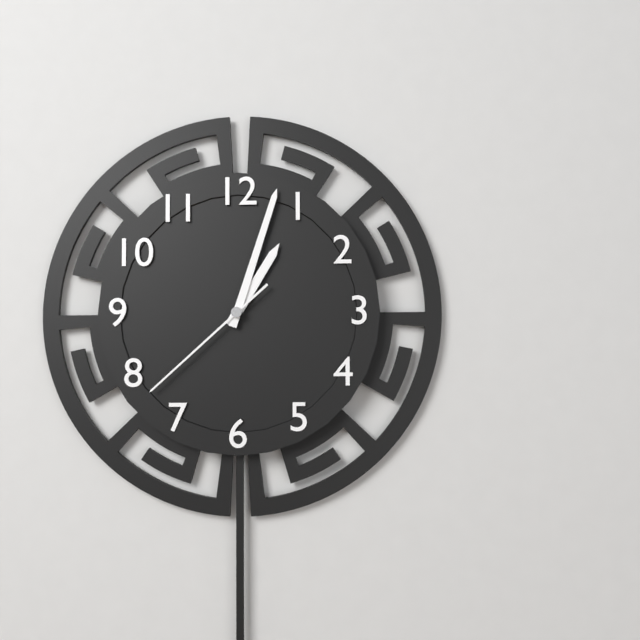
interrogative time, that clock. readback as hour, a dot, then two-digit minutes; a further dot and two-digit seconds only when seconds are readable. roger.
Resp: 1.03.38
